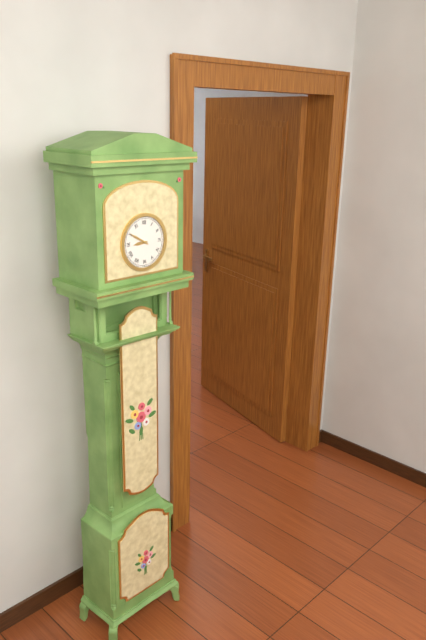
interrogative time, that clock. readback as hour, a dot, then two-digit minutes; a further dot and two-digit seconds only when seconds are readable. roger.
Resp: 8.50
